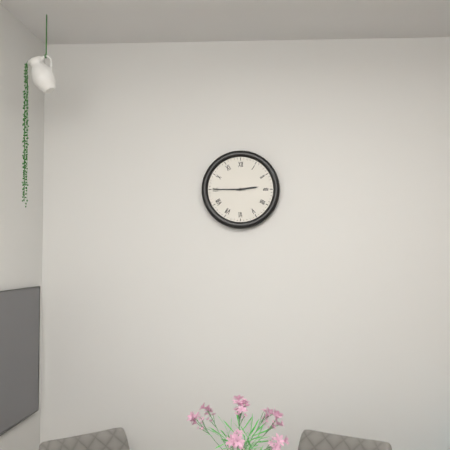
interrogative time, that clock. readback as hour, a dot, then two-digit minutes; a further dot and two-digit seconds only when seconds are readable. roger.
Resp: 2.45
